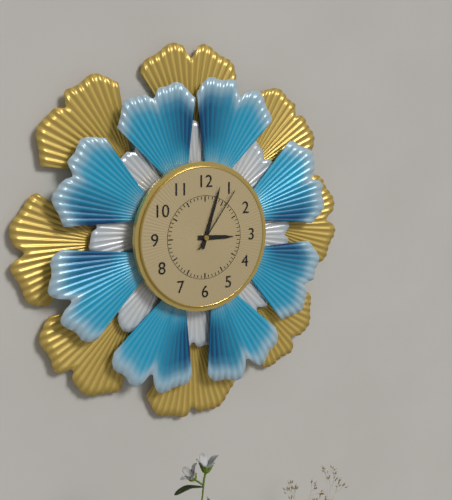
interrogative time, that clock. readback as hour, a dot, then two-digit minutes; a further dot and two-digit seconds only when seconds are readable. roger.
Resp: 3.03.06
